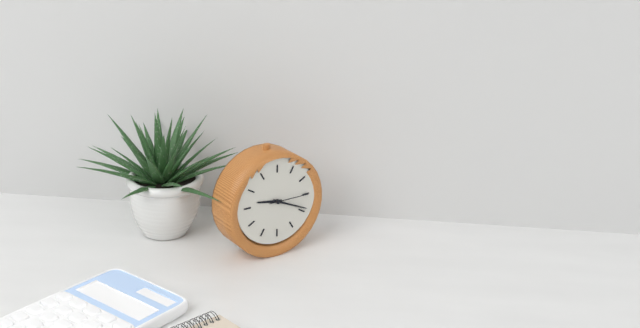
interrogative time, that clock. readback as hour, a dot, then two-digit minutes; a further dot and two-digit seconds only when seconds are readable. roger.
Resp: 9.19.15
